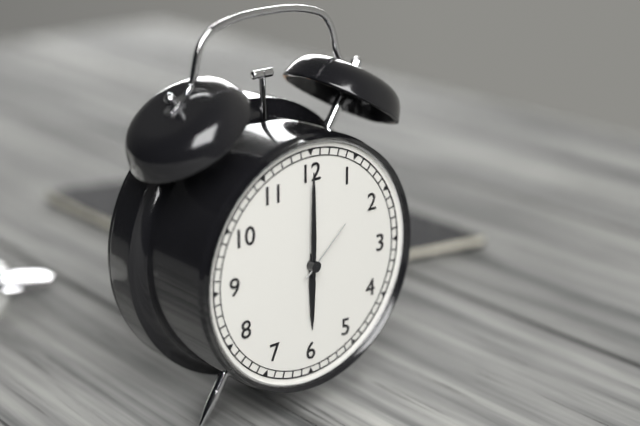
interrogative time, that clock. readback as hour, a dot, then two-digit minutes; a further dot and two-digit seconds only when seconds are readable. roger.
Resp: 6.00.08
